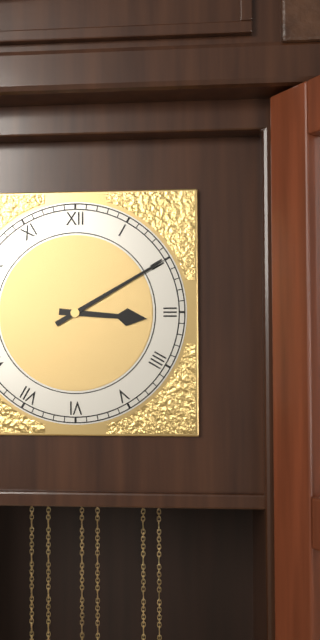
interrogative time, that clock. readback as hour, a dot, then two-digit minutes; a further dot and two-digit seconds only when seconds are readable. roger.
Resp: 3.10
